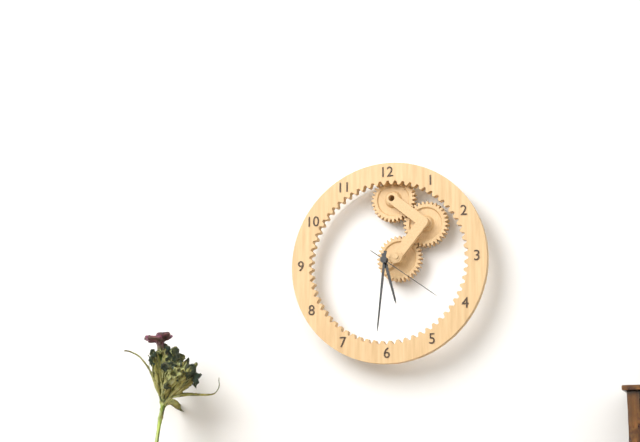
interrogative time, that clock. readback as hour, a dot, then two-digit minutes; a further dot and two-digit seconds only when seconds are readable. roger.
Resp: 5.31.21
